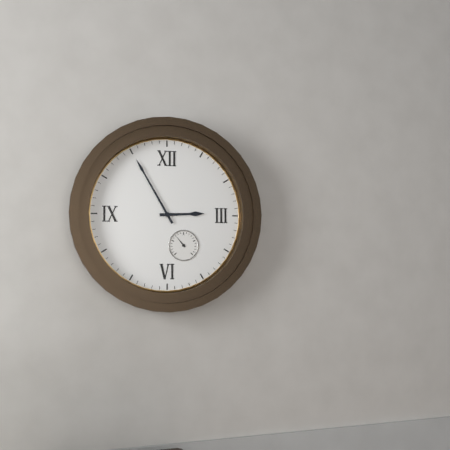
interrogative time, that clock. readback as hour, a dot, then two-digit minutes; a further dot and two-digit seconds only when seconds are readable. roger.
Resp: 2.55
